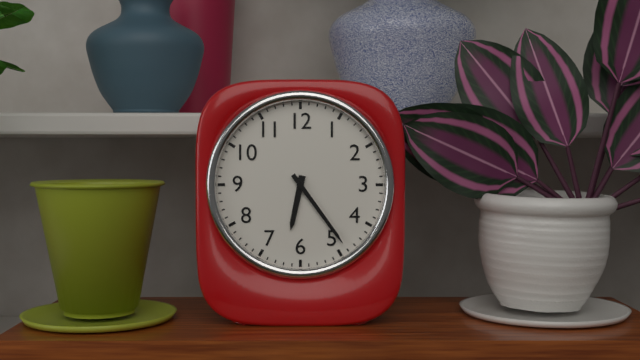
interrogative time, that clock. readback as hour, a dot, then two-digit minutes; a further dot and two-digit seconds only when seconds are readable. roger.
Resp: 6.24
